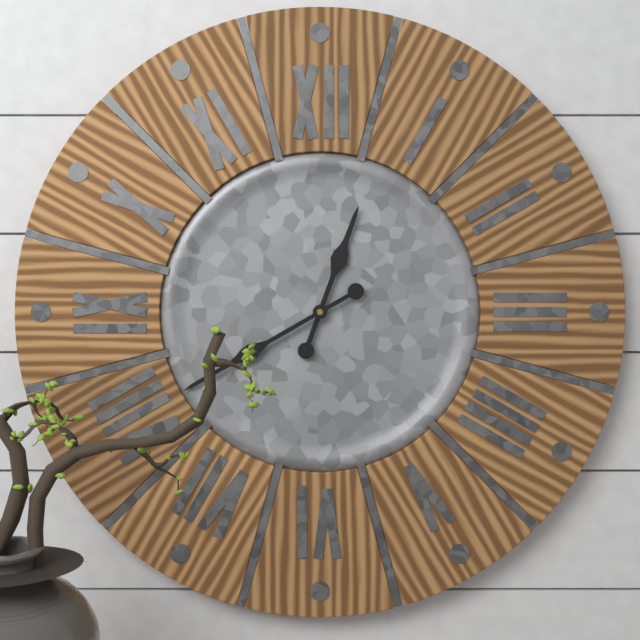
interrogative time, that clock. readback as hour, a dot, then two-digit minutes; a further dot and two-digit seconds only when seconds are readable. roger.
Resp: 12.40
